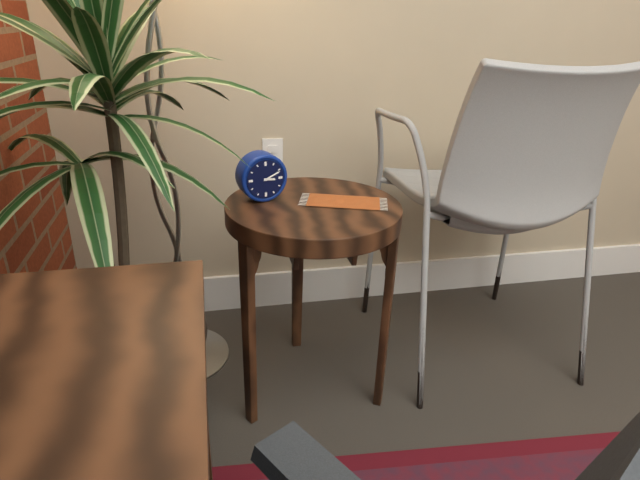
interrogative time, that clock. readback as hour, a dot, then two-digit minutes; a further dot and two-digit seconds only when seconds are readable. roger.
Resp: 3.11
